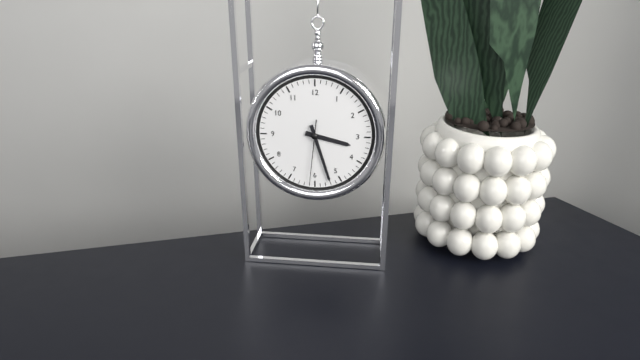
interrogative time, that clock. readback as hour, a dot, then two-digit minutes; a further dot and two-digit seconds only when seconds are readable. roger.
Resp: 3.27.31
